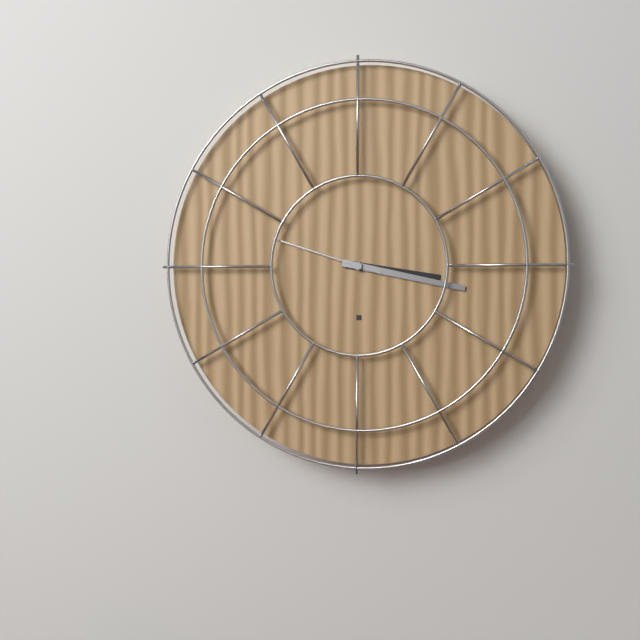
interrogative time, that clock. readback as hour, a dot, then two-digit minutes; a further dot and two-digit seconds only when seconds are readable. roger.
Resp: 3.17.48
